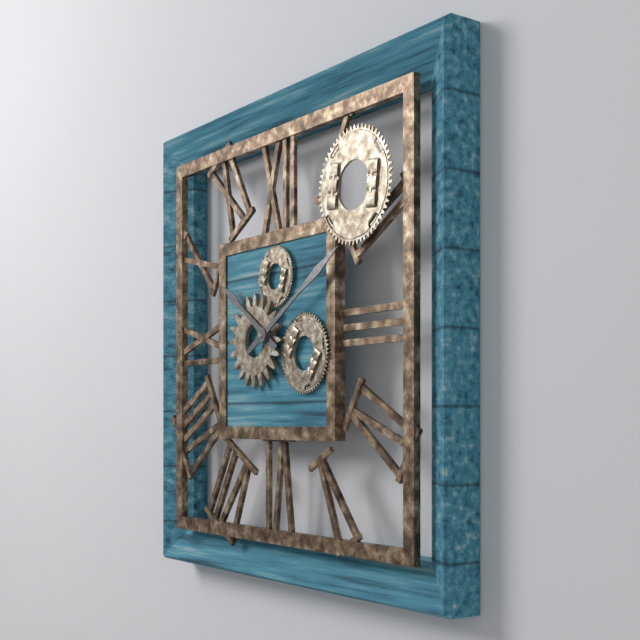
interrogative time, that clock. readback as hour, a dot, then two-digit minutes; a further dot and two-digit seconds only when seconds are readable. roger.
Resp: 10.10
